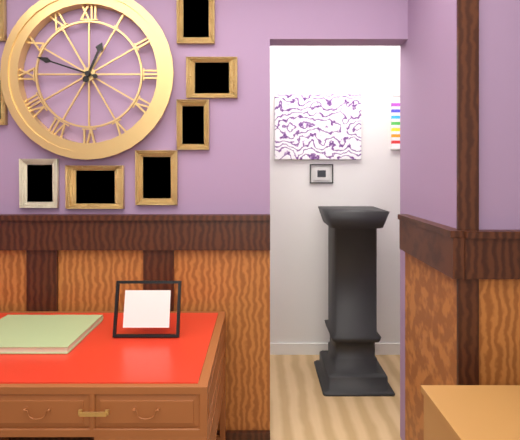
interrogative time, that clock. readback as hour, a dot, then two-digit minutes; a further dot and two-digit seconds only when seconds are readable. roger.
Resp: 12.48
